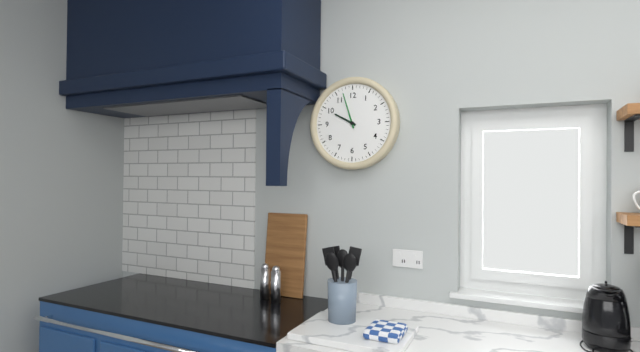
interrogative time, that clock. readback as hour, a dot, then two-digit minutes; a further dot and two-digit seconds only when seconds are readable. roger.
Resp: 9.57
